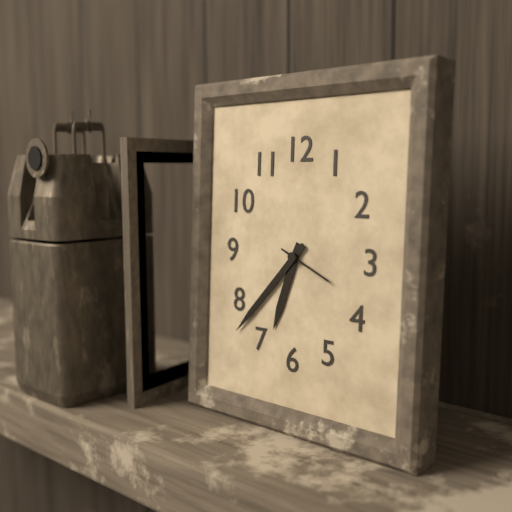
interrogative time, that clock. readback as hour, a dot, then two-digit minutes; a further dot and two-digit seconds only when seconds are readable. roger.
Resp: 6.37.19
